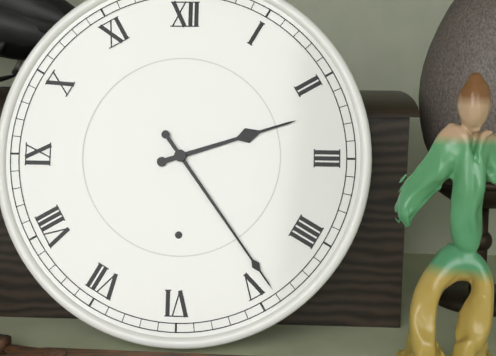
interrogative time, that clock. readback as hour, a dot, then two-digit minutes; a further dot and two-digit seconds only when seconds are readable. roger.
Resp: 2.24
